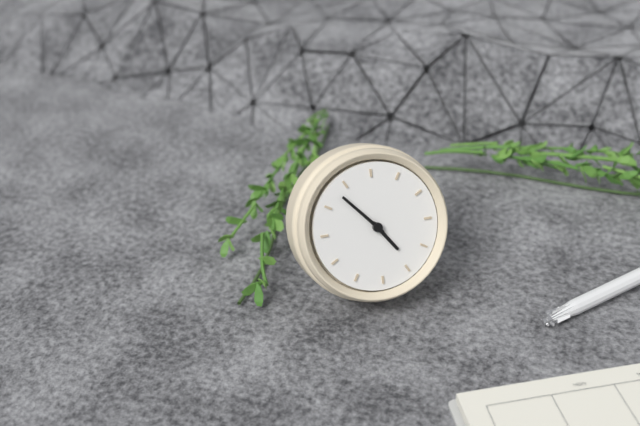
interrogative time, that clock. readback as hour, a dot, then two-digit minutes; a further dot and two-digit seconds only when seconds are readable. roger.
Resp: 3.48
